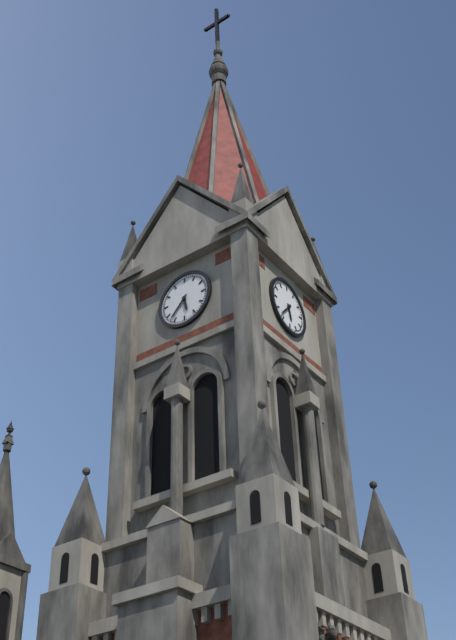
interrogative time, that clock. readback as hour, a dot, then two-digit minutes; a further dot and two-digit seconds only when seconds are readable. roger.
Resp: 5.37
